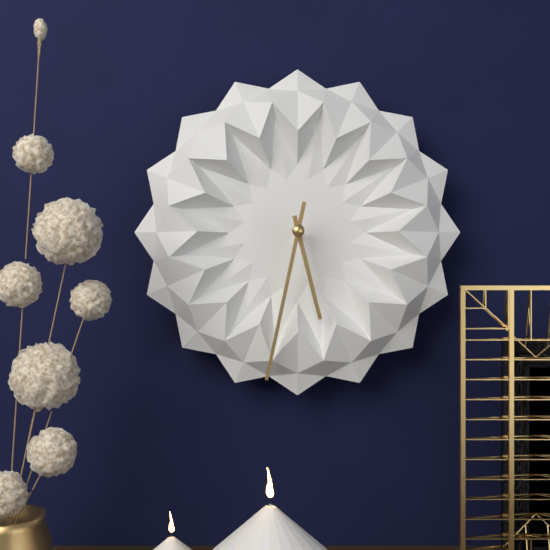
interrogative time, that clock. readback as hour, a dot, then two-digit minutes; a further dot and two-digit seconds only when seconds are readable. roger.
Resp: 5.32
